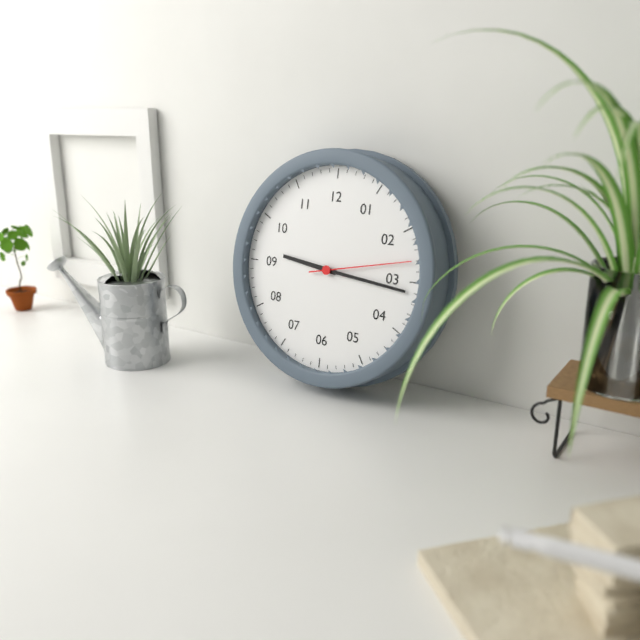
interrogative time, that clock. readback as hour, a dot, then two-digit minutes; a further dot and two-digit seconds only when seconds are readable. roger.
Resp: 9.16.13
